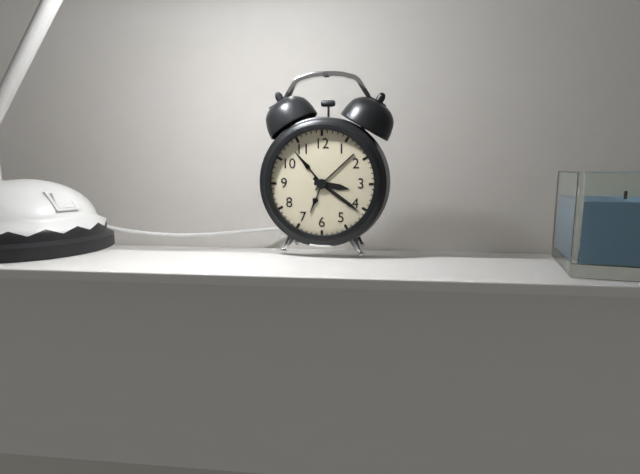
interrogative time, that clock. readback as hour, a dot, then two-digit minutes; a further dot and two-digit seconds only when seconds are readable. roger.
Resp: 3.21
